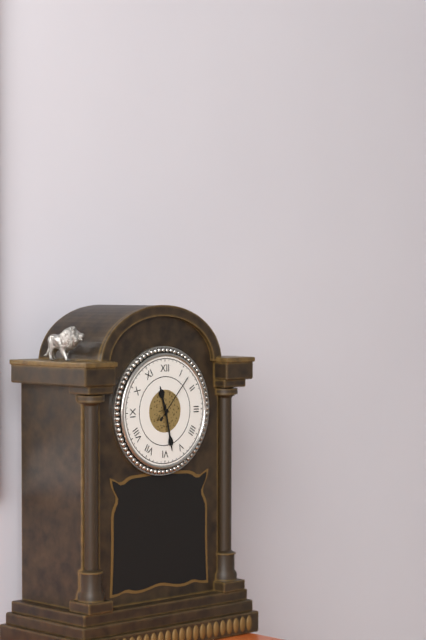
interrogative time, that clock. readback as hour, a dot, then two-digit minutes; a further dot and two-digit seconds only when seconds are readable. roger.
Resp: 11.28.07
